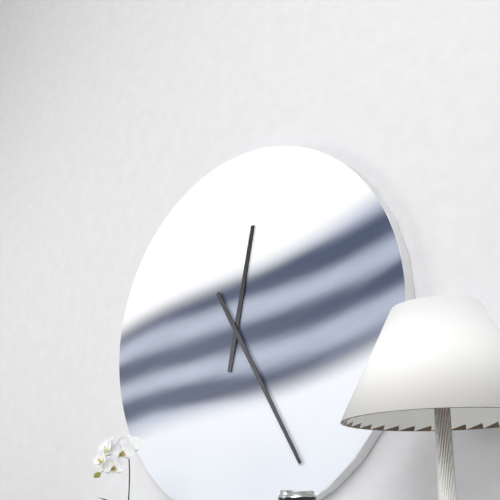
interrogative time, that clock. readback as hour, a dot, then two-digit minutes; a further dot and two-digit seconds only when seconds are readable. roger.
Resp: 12.25
